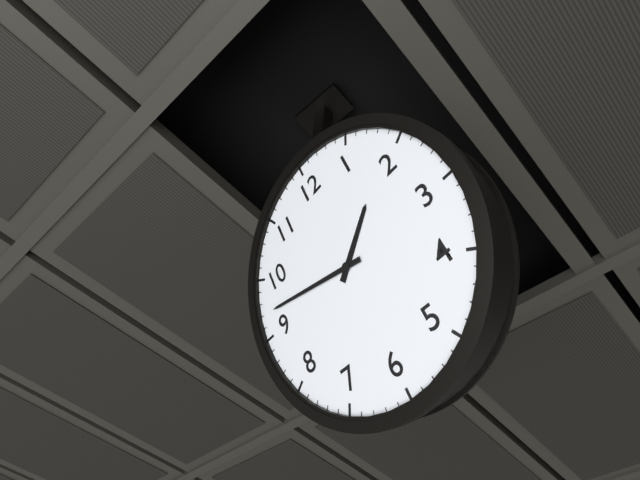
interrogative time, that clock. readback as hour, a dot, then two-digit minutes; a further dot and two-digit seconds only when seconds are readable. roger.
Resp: 1.47
